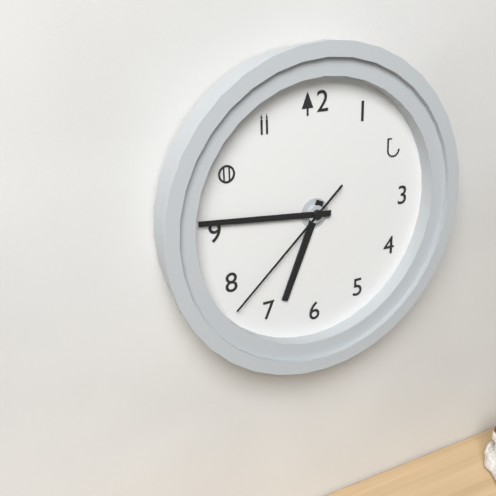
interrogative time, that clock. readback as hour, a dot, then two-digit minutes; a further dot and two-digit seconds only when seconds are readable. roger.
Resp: 6.46.38
